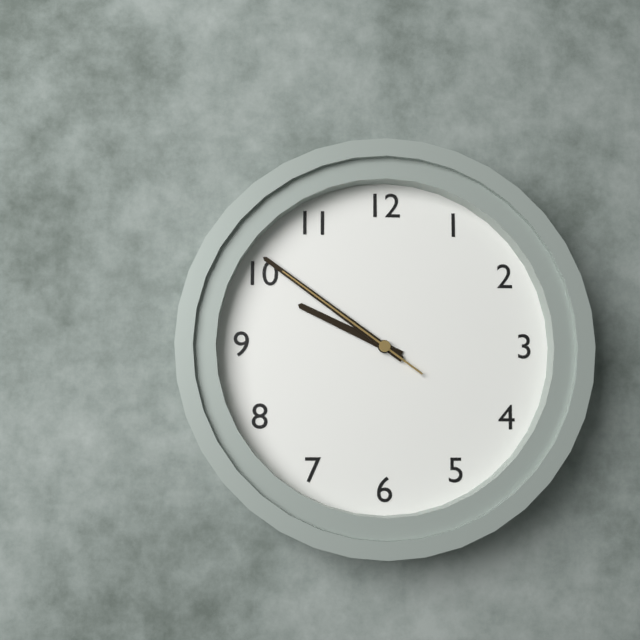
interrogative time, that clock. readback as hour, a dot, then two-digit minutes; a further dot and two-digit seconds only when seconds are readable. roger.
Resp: 9.51.51
